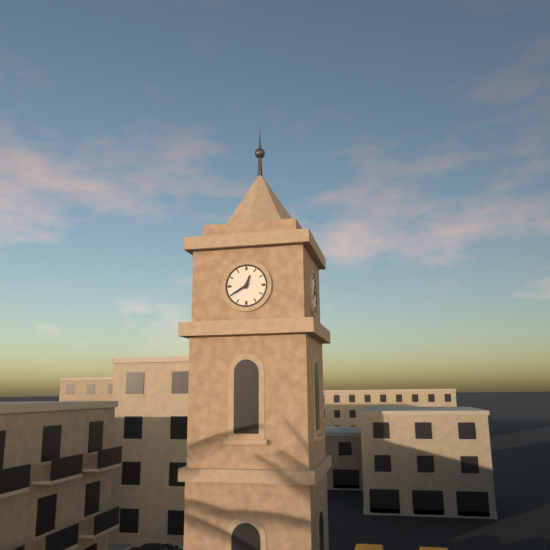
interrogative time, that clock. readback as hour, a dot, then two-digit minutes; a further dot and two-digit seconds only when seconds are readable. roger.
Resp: 12.40
